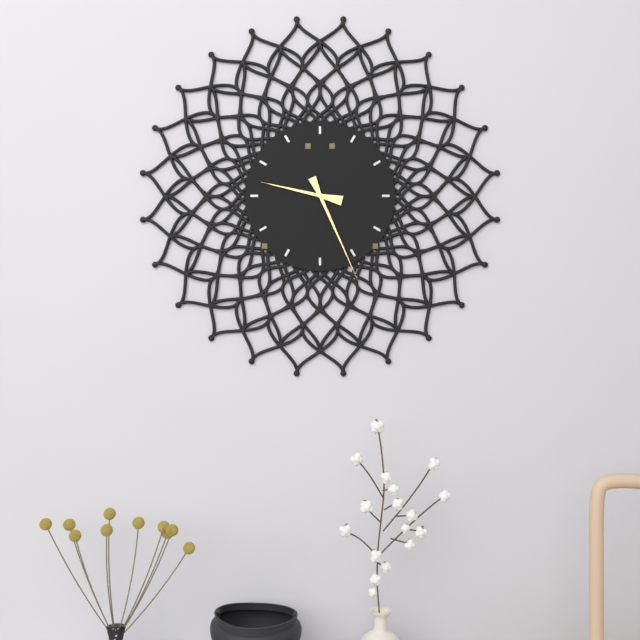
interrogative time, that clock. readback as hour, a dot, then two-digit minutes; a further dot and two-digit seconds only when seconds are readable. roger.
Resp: 9.26
